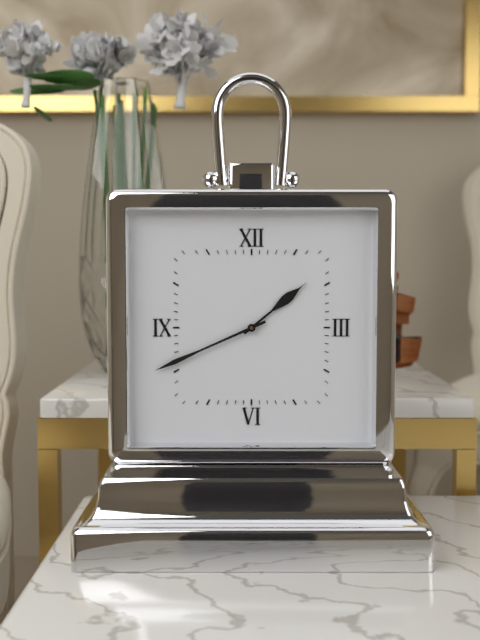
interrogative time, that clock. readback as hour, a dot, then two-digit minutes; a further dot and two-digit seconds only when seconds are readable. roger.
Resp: 1.41
